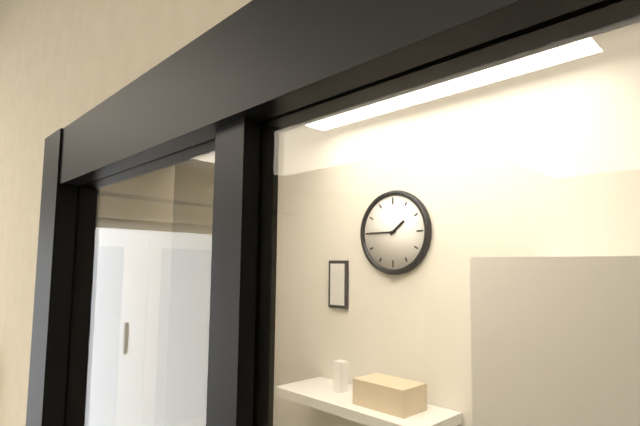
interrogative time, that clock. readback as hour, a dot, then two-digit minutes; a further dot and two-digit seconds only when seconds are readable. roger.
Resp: 1.45
